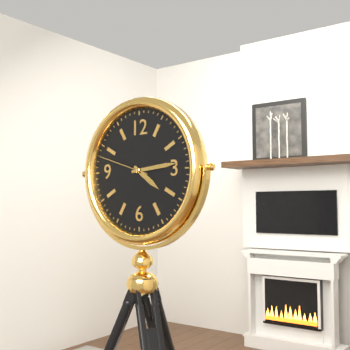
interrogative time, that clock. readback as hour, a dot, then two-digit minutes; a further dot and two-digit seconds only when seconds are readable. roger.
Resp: 4.14.48
